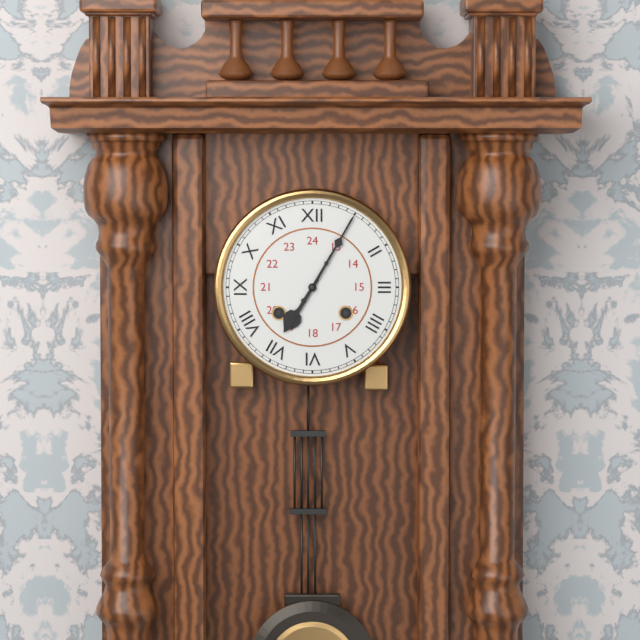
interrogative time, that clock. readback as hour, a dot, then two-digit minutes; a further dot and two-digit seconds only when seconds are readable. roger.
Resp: 7.05
